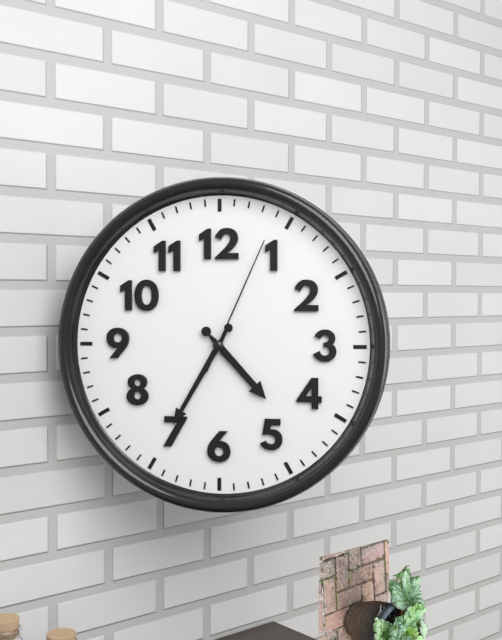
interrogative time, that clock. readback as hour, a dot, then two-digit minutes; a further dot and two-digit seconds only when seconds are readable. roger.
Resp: 4.35.04
